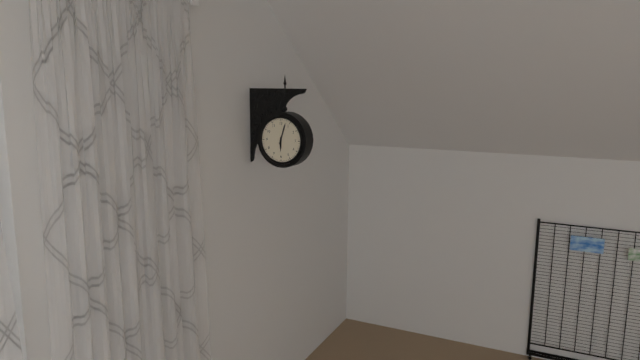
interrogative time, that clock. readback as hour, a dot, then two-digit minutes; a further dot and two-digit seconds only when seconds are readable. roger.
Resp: 6.03
